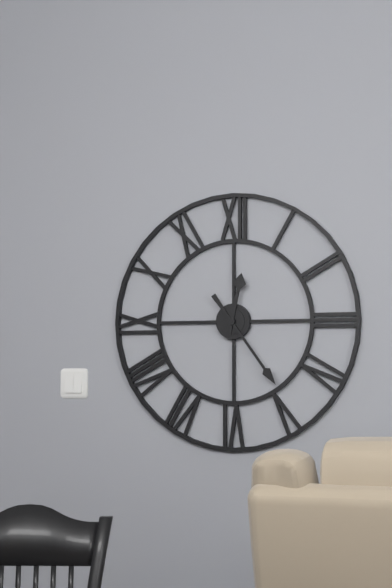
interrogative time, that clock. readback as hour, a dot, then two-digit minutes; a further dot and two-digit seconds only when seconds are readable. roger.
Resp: 12.24
